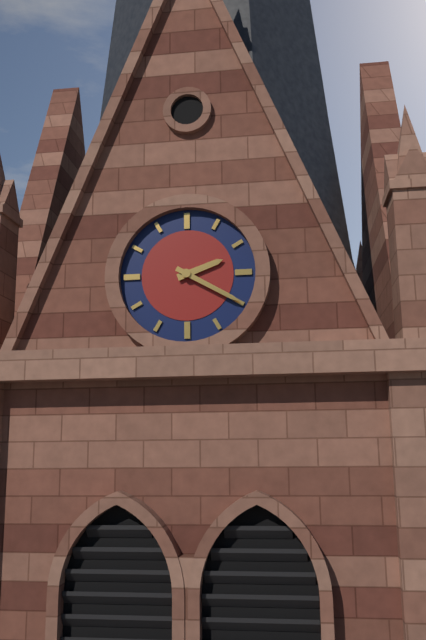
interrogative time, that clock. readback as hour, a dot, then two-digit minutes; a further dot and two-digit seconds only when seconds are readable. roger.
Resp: 2.20
